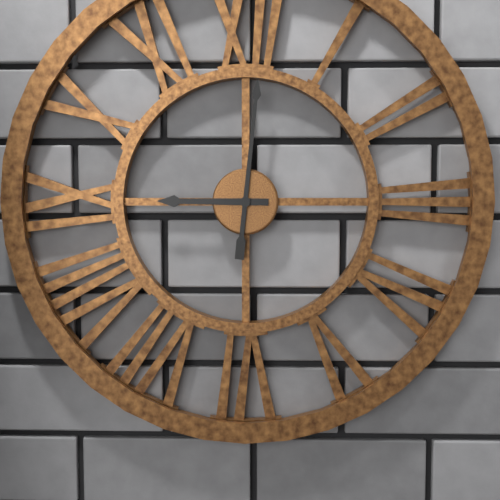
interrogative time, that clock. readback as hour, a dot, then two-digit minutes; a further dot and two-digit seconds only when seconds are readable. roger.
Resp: 9.01
